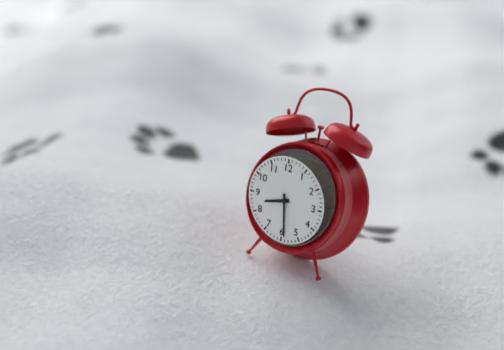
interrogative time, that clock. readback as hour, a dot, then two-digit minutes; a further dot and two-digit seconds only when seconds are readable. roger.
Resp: 8.29
